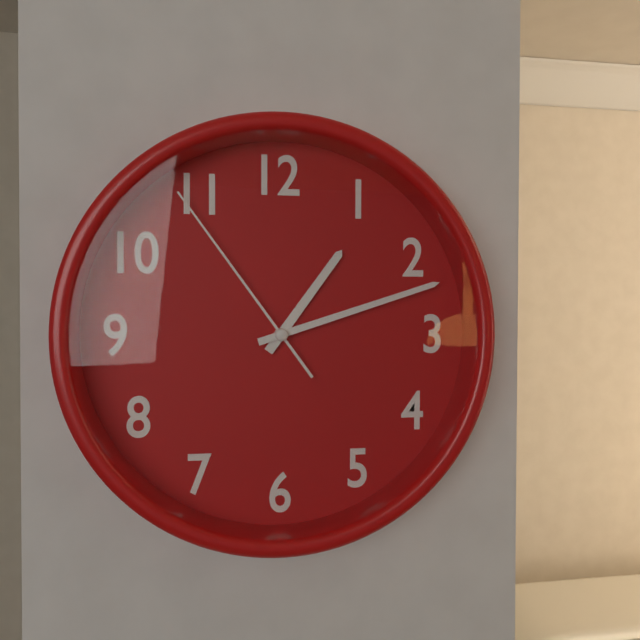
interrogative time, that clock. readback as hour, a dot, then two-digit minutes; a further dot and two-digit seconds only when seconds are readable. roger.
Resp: 1.12.54
